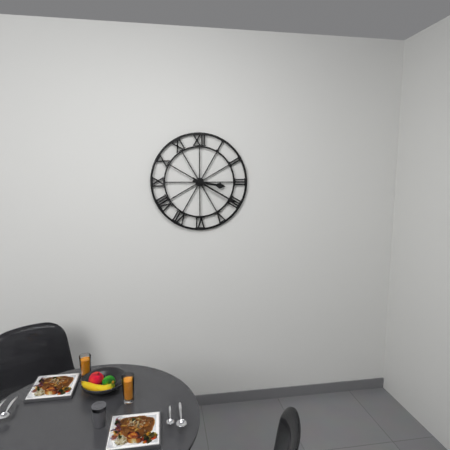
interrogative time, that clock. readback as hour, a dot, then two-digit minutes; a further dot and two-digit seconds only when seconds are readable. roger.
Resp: 3.20
